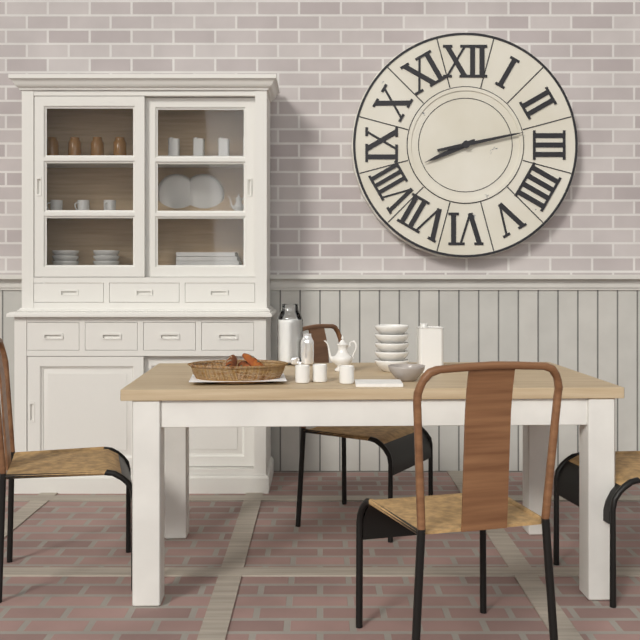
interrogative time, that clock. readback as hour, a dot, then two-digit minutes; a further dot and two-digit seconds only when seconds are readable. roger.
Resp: 8.13
